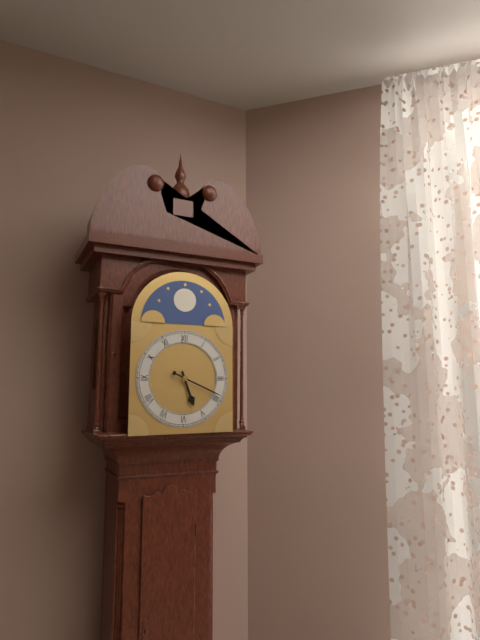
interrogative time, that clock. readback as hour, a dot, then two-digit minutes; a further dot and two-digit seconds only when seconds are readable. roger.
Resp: 5.19
